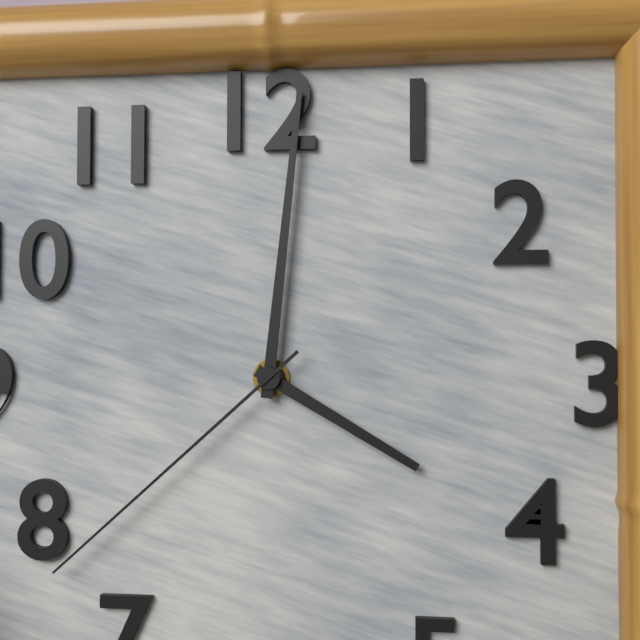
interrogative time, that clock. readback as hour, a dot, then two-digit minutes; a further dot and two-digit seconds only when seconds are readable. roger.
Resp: 4.01.38
